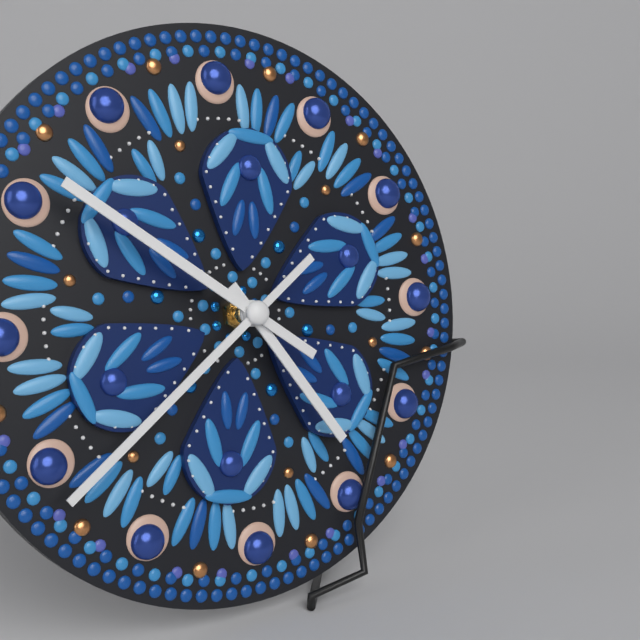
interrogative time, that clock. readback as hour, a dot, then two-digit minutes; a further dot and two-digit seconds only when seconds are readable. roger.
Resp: 4.51.39
